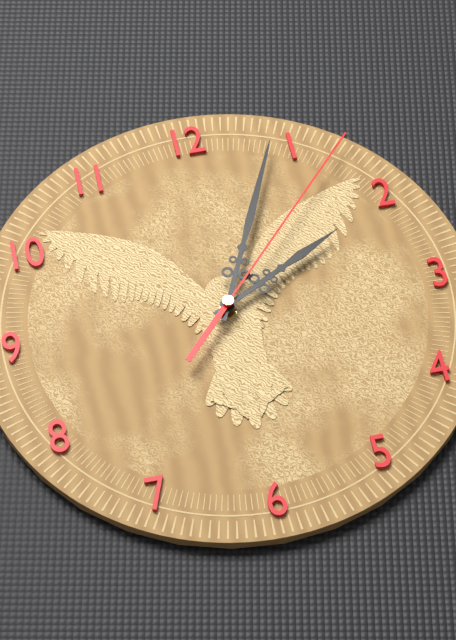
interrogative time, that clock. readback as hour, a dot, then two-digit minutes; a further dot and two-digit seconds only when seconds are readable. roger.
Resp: 2.04.07
